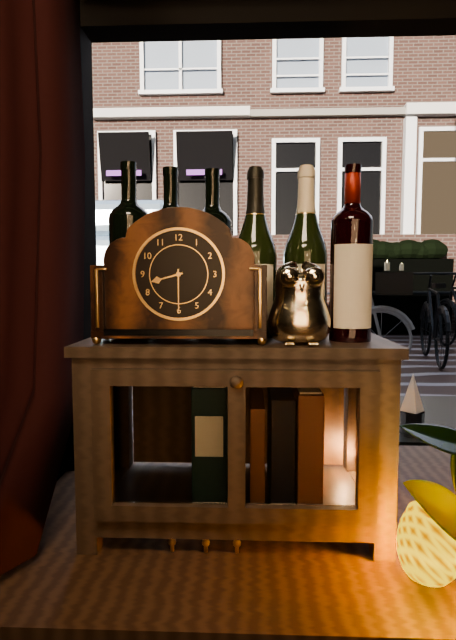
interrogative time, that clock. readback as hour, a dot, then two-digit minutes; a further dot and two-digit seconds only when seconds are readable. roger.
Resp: 8.30
